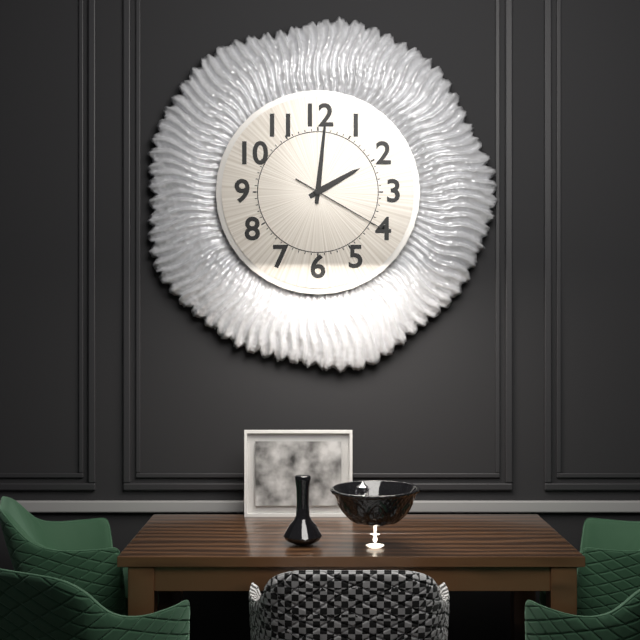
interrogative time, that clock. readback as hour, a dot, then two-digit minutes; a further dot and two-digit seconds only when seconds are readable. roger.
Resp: 2.01.20
